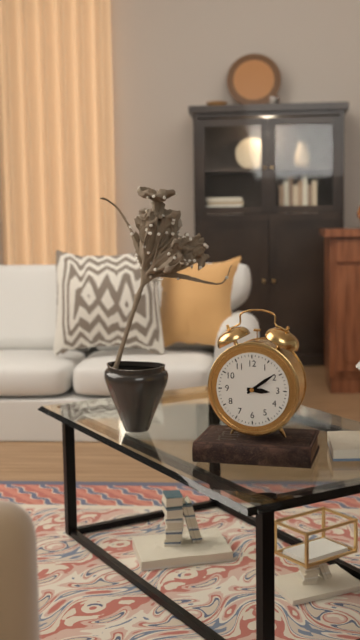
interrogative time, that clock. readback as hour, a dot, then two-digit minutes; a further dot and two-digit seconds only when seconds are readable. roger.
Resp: 3.09
